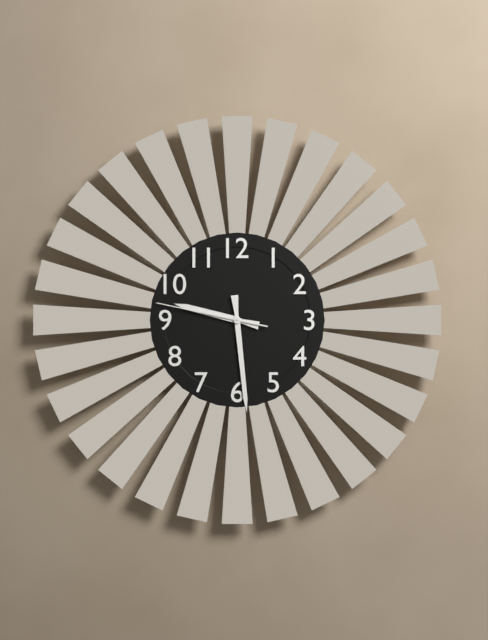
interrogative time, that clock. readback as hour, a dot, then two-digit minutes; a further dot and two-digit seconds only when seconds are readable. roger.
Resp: 9.29.47
